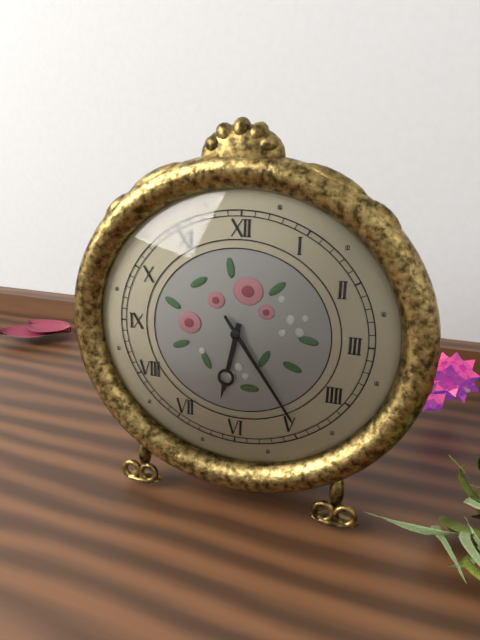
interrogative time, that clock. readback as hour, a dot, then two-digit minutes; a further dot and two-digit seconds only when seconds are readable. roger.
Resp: 6.24
